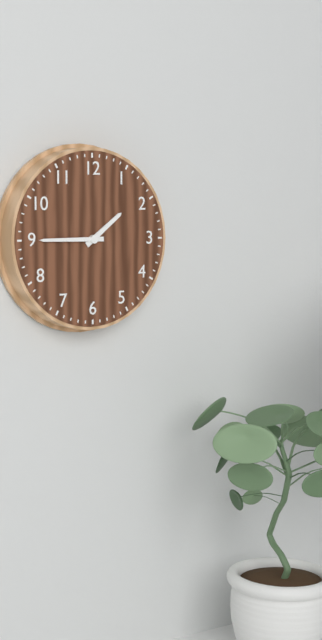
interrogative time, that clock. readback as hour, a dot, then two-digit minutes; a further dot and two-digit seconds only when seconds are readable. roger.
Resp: 1.45
